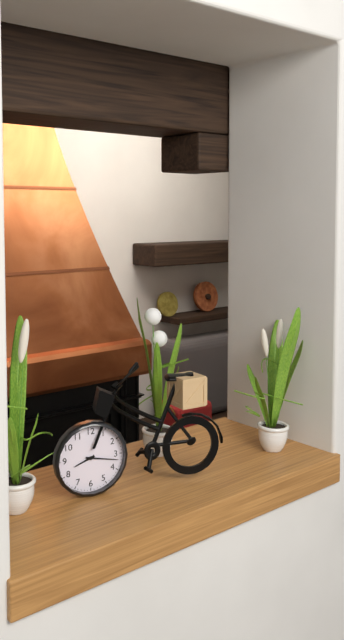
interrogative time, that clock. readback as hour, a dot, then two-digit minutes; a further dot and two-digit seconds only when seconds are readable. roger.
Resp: 8.17
